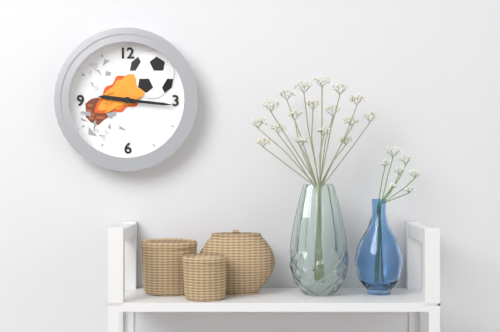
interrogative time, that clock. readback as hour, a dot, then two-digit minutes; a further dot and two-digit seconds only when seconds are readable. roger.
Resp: 9.16
